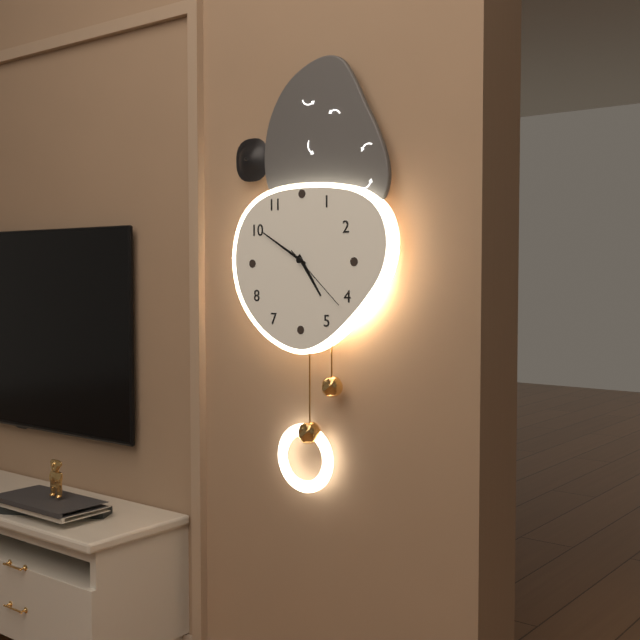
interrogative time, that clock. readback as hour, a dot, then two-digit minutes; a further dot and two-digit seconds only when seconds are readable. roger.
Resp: 4.50.22
